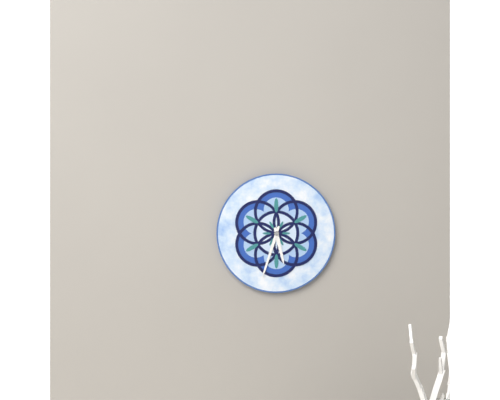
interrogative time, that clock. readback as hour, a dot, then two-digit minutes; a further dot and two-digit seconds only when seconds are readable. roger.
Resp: 5.33
